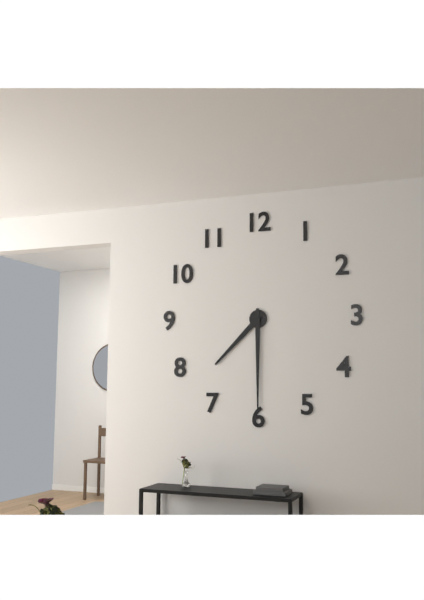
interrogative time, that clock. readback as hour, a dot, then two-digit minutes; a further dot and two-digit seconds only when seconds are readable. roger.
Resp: 7.30
